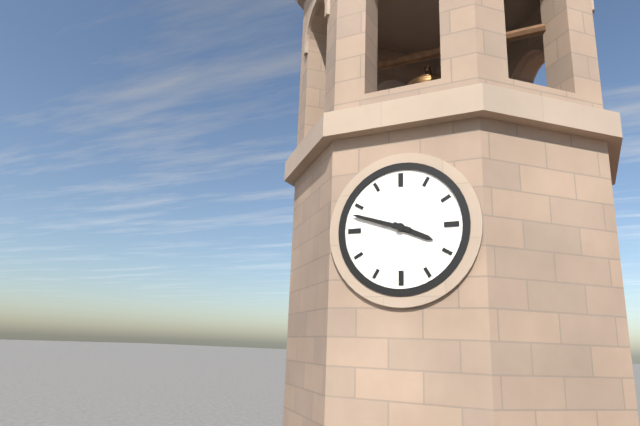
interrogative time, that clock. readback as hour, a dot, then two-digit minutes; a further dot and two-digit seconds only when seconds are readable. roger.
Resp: 3.48
